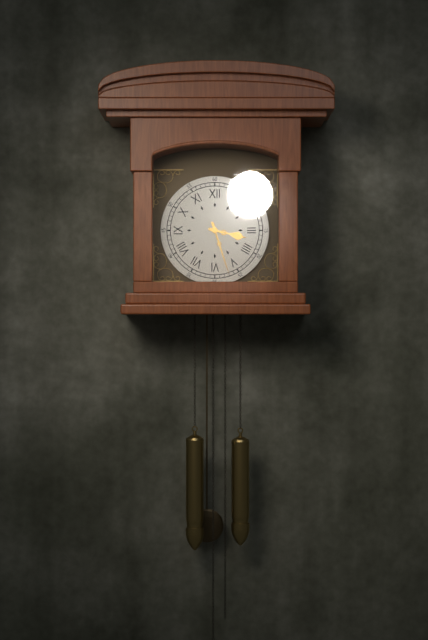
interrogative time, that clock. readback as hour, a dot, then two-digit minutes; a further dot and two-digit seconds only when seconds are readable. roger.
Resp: 3.27
